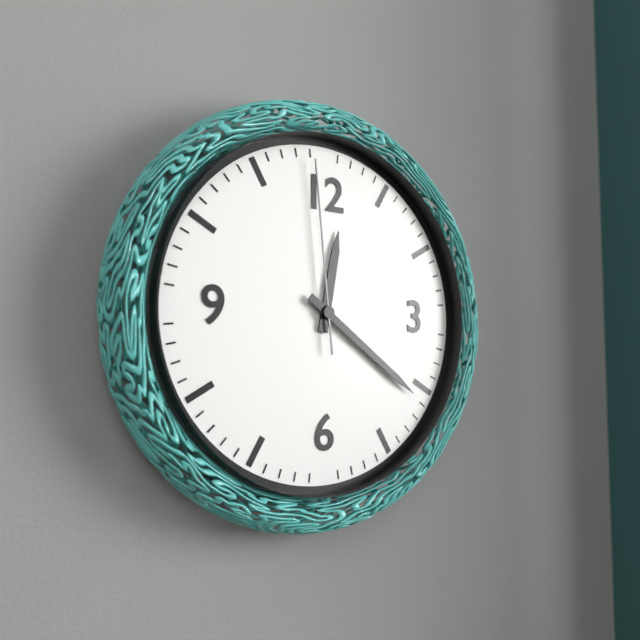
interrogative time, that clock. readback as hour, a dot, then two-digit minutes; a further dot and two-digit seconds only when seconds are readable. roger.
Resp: 12.21.59
